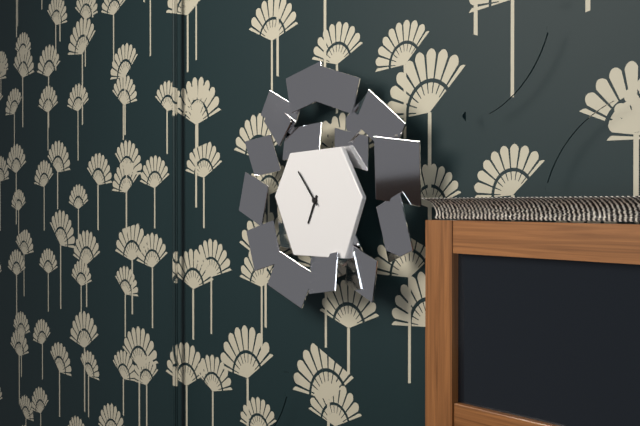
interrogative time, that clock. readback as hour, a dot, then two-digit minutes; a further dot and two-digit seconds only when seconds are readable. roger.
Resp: 6.53
